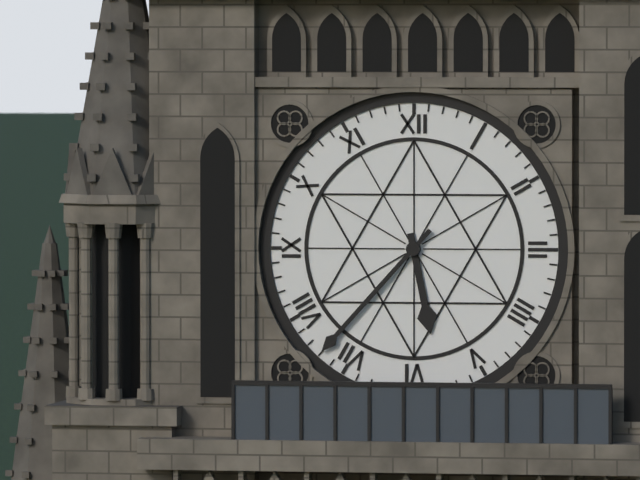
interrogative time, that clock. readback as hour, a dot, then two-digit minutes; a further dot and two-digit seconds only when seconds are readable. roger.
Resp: 5.37
